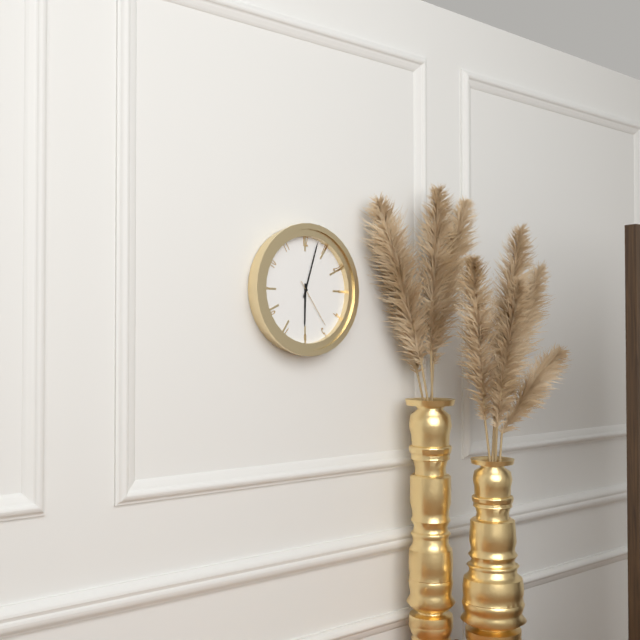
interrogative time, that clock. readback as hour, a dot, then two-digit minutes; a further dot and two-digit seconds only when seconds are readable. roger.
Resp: 6.03.24
